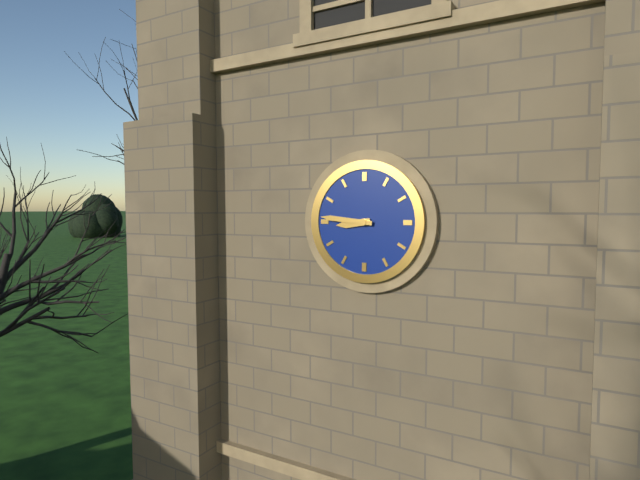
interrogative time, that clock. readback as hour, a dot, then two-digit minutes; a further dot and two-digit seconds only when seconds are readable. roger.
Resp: 8.46
